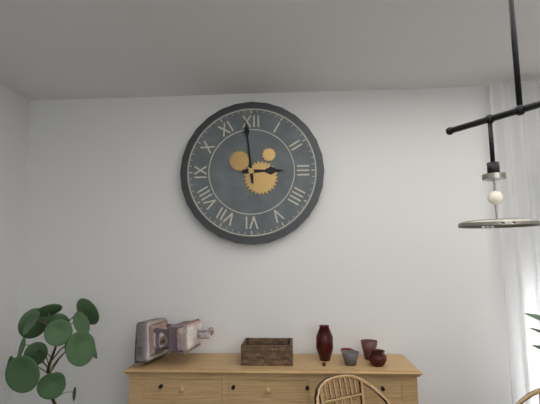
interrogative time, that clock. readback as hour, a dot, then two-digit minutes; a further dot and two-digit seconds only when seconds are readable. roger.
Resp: 2.59
